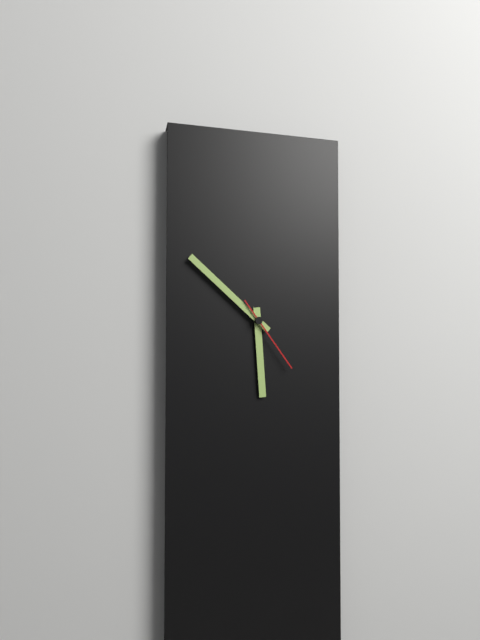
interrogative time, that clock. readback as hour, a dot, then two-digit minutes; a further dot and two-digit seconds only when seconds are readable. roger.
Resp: 5.52.24
